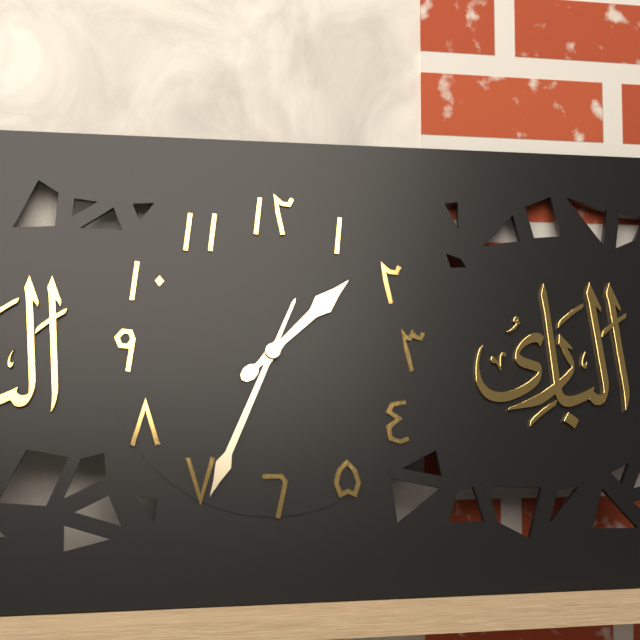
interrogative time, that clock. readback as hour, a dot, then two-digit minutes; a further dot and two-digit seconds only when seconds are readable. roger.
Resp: 1.34
